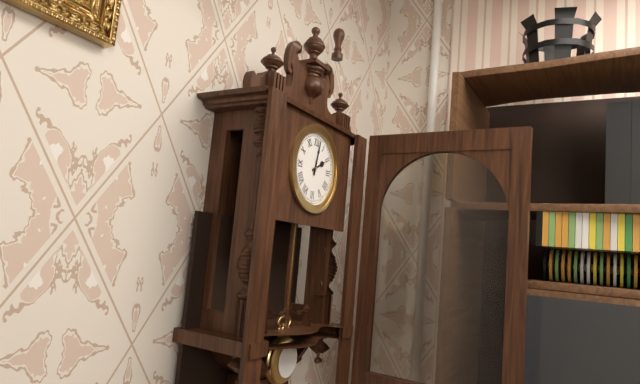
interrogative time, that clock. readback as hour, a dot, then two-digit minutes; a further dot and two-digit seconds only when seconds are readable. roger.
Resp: 2.02
